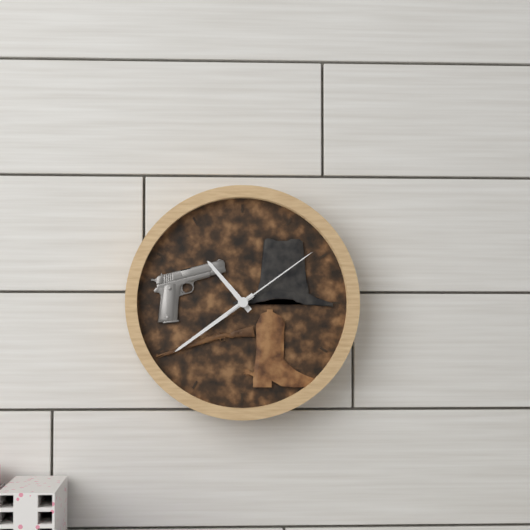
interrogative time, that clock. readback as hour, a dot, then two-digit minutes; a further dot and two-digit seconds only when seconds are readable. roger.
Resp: 10.39.09
